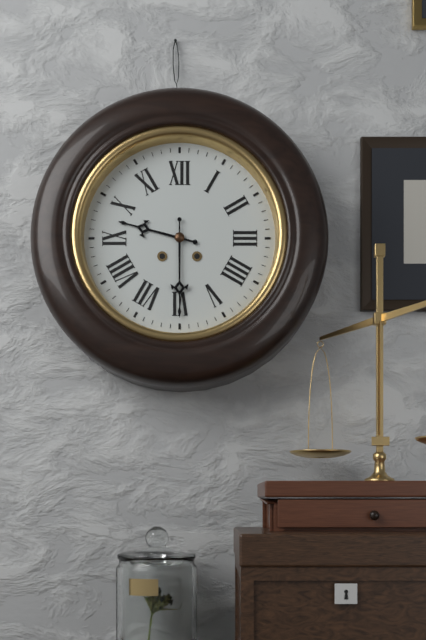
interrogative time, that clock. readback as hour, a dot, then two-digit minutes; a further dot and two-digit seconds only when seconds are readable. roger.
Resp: 9.30
